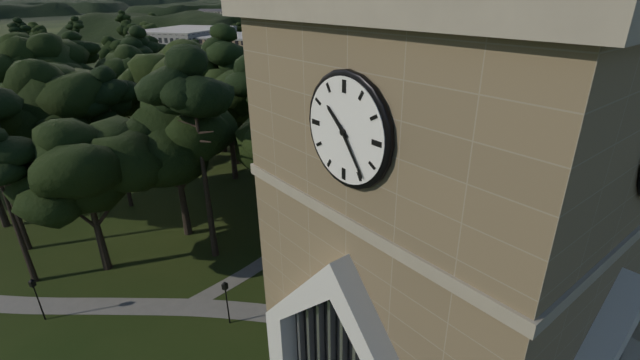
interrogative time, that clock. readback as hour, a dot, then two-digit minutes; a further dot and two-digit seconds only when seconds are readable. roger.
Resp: 10.24
